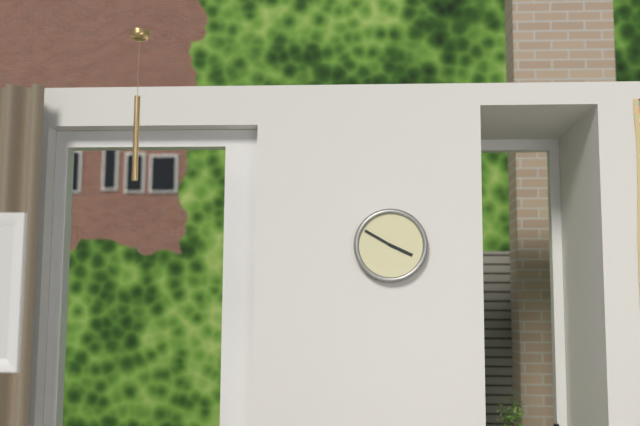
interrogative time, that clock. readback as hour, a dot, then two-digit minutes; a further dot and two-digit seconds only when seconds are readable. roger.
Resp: 3.50
